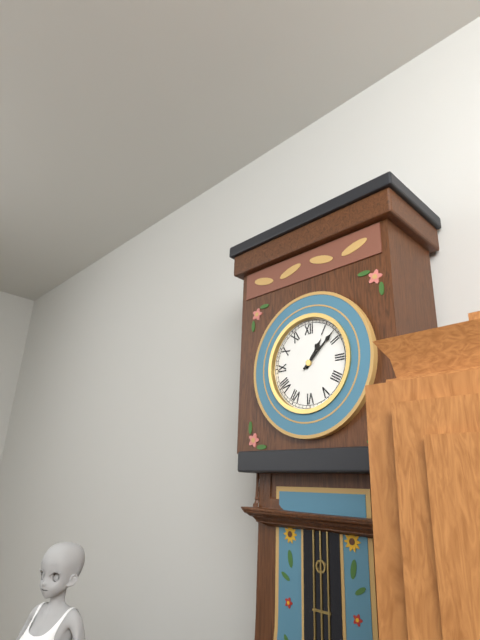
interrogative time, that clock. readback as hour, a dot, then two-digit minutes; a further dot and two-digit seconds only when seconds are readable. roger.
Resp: 1.08
